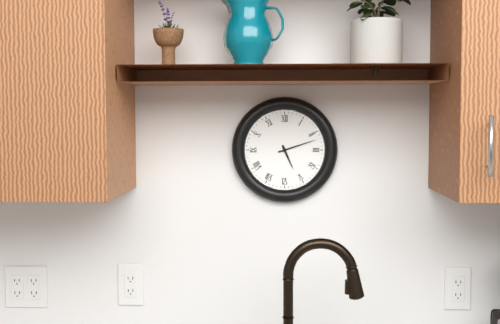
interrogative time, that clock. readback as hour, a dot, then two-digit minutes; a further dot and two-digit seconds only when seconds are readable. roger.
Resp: 5.12
